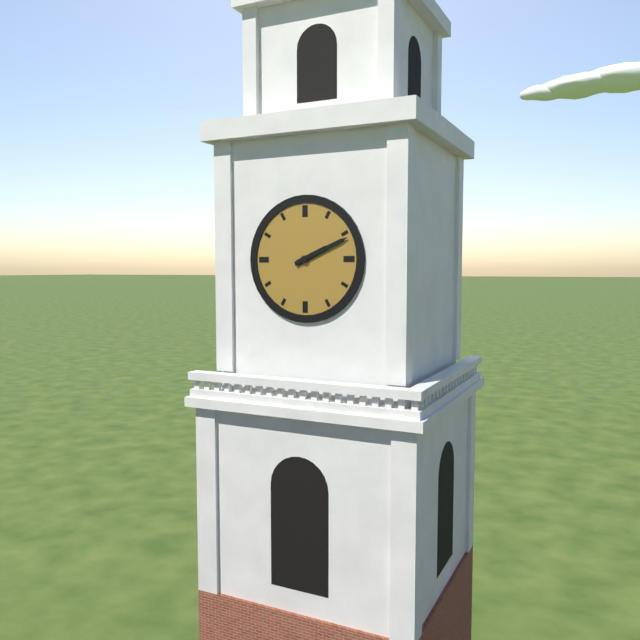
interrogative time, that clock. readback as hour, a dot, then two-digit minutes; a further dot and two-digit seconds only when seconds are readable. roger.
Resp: 2.11
